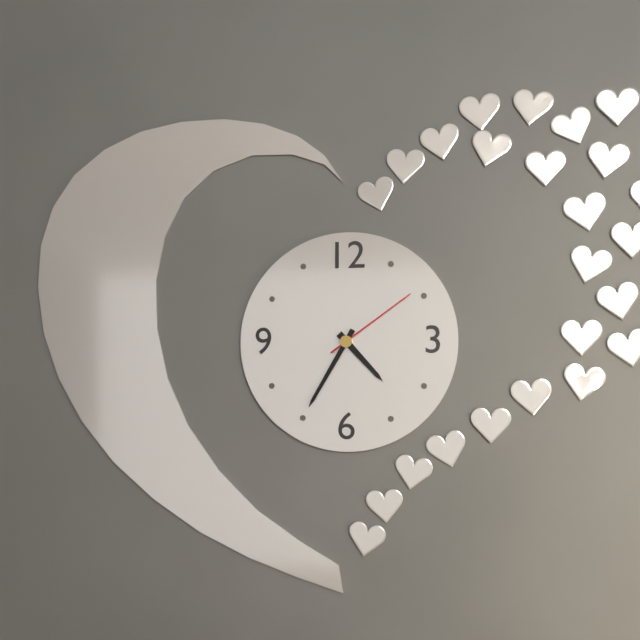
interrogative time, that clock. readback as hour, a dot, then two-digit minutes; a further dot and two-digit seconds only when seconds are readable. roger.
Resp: 4.35.09
